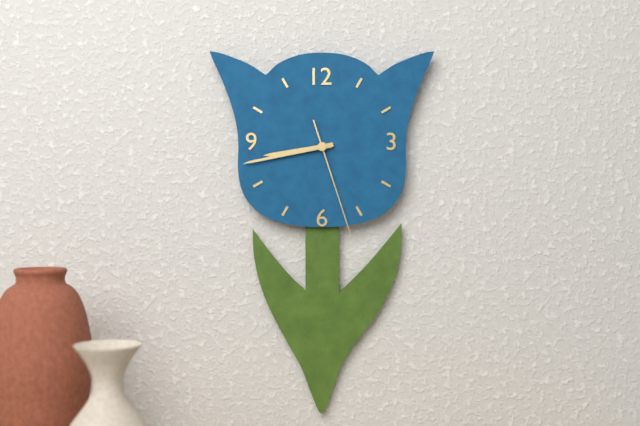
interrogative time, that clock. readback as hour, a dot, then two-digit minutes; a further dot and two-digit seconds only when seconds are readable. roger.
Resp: 8.43.27
